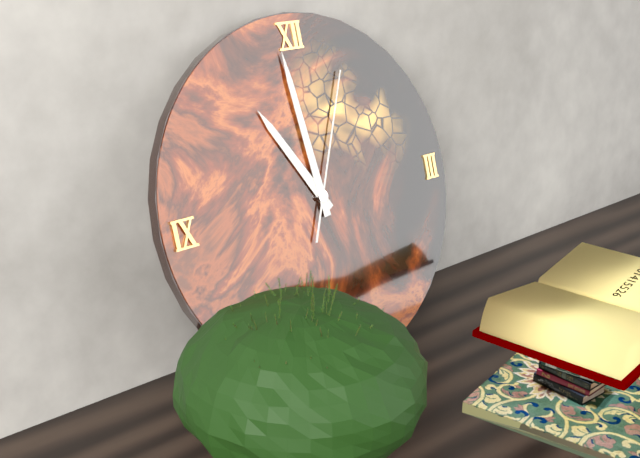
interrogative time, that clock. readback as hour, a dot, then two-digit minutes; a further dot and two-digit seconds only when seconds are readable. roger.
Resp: 10.59.04
